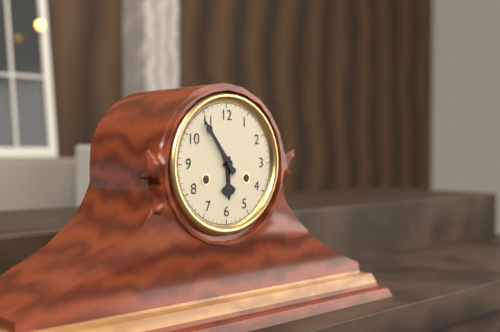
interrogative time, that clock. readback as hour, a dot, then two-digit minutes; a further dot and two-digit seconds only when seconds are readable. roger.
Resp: 5.54
